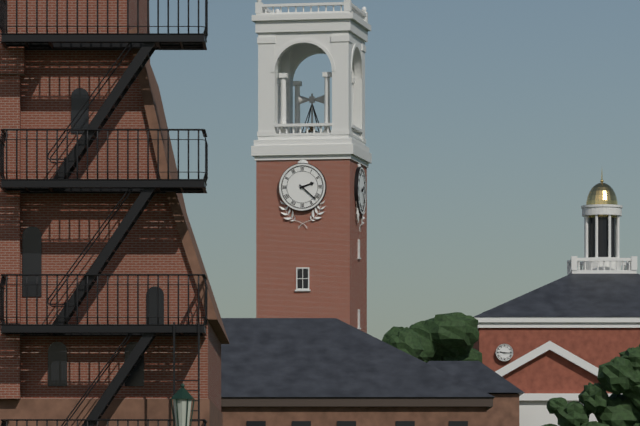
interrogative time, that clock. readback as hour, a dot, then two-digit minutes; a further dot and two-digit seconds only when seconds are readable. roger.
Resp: 2.22
